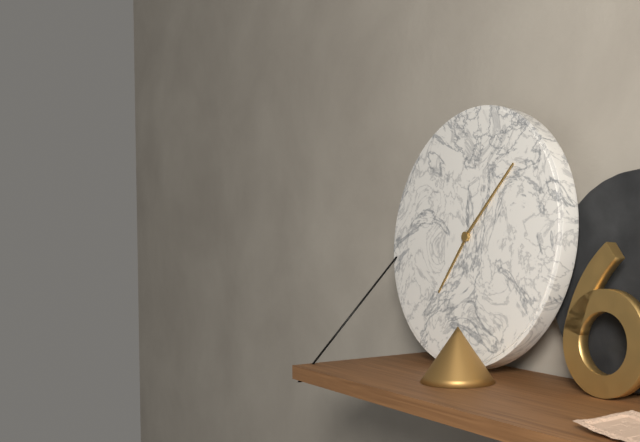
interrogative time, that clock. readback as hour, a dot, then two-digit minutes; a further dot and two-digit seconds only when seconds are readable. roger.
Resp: 7.07
